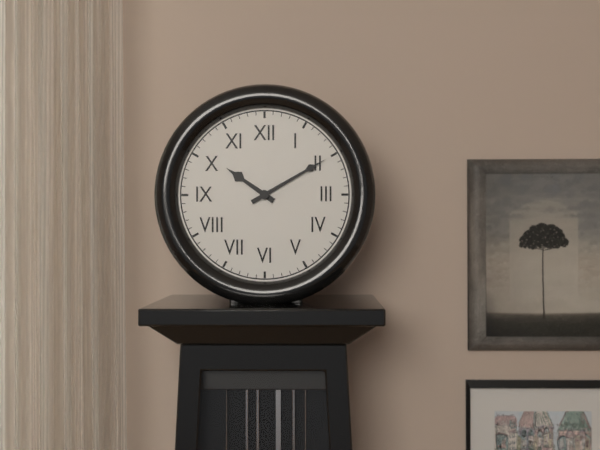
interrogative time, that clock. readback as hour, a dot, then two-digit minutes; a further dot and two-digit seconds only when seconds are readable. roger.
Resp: 10.10
